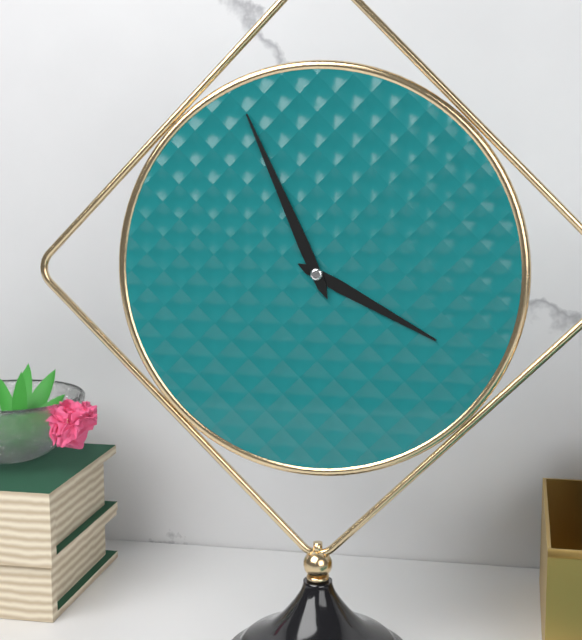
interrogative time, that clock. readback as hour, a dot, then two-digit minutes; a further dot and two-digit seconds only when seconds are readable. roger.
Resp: 3.56
